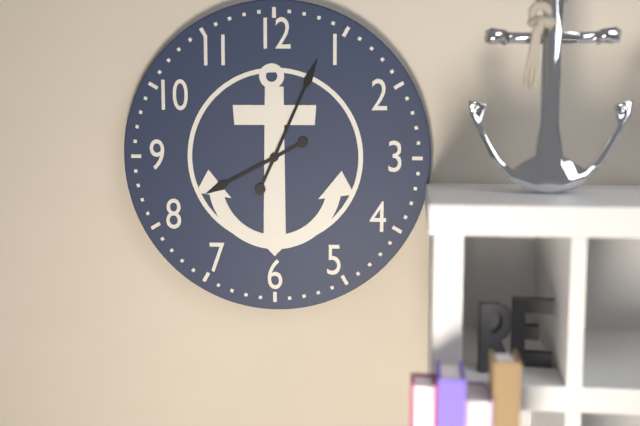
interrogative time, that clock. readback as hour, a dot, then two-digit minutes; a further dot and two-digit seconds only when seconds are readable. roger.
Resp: 8.04
